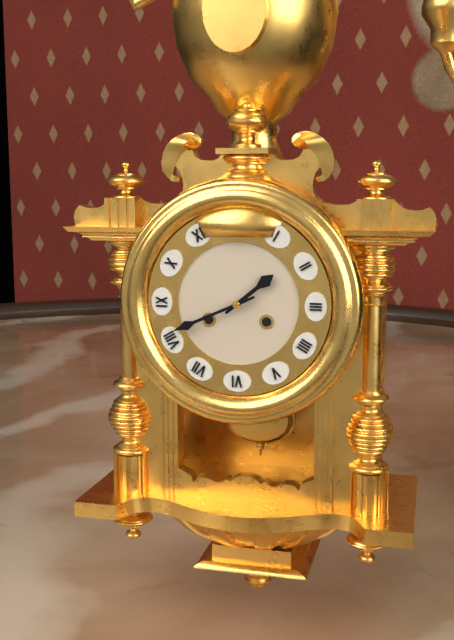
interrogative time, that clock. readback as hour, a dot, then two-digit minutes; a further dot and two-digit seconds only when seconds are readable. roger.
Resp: 1.41
